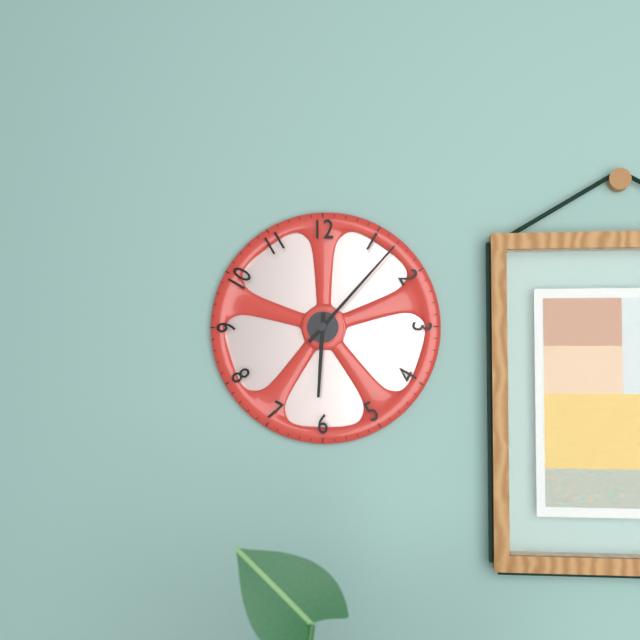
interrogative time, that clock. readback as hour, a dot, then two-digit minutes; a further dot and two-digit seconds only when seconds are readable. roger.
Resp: 6.07
